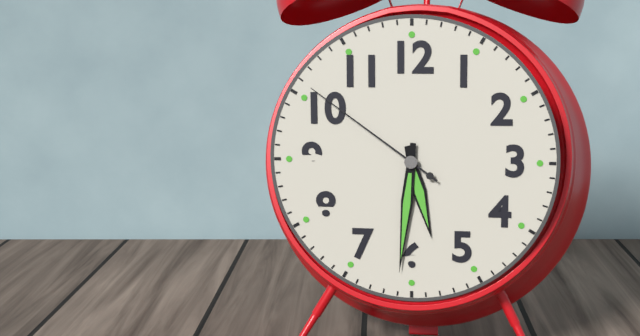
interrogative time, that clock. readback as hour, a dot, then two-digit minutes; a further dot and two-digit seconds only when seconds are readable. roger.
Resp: 5.31.51
